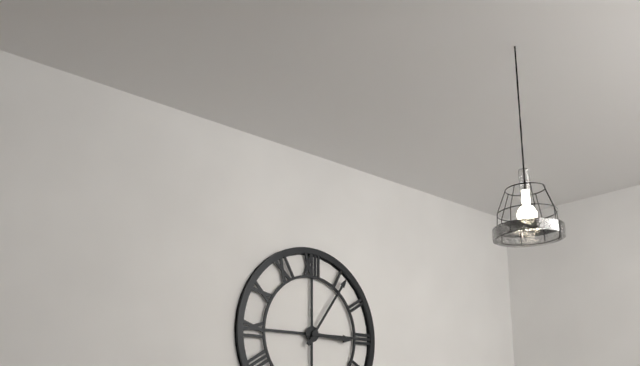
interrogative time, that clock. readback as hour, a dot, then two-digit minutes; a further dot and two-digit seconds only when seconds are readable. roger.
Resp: 3.06
